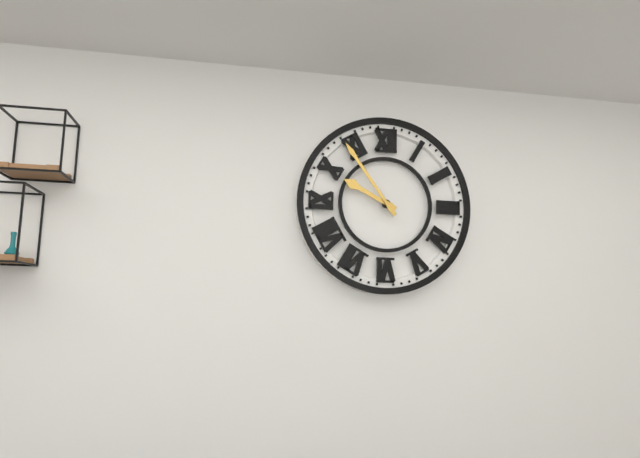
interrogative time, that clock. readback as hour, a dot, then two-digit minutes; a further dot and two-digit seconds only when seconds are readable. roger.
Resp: 9.54
